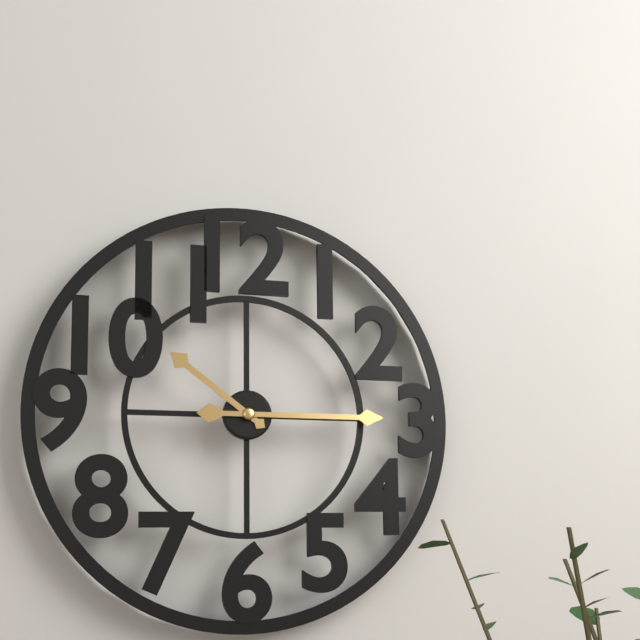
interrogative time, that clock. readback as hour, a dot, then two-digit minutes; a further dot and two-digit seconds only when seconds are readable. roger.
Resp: 10.15
